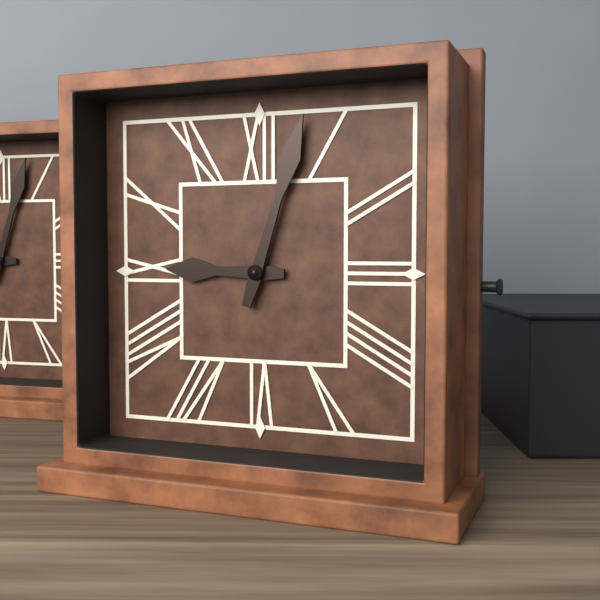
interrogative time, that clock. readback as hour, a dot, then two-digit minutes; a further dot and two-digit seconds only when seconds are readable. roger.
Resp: 9.03
